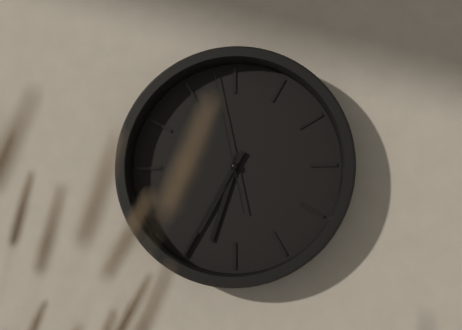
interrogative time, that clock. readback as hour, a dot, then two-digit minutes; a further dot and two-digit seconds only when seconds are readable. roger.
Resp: 6.35.58
